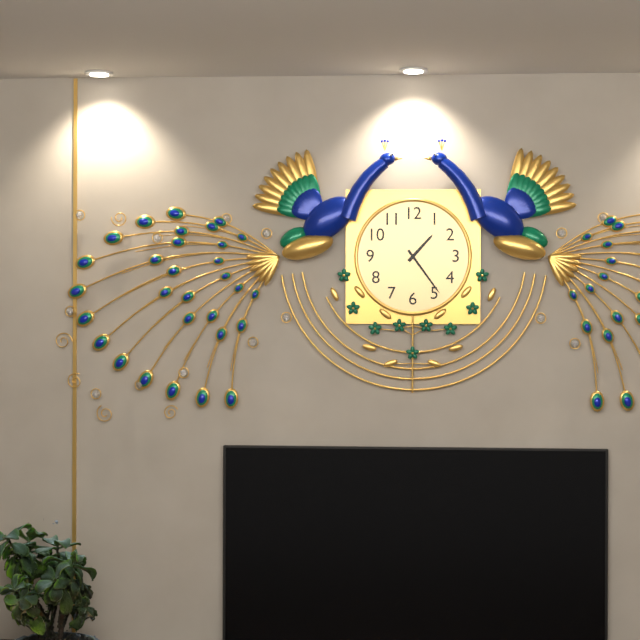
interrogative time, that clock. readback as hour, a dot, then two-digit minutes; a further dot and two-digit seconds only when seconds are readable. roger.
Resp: 1.24
